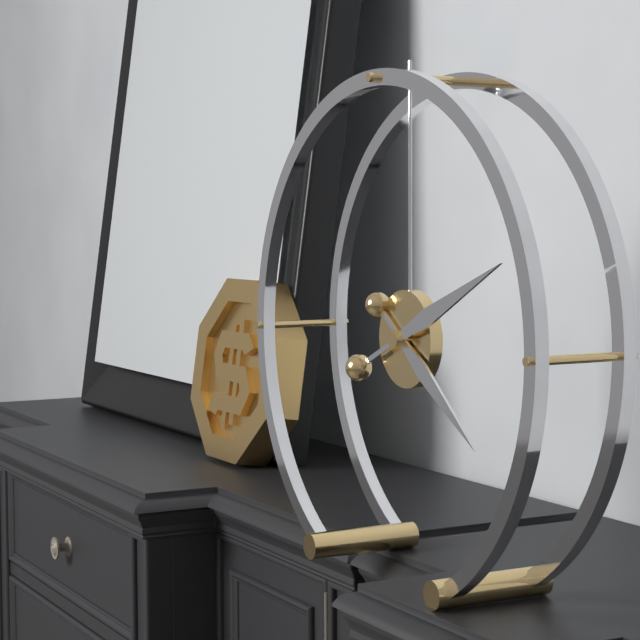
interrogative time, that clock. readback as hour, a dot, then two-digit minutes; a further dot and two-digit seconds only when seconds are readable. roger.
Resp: 4.11
